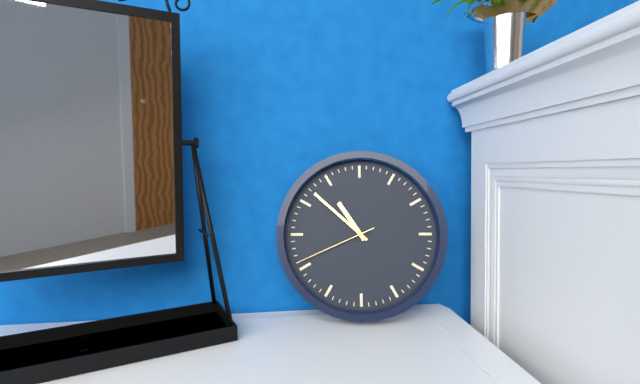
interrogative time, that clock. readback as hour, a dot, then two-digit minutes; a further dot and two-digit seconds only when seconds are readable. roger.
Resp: 10.52.41
